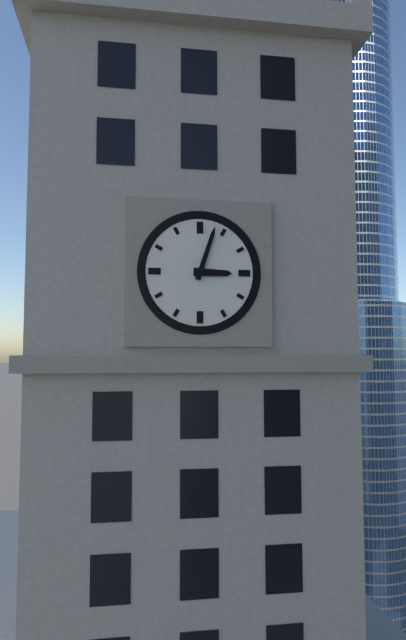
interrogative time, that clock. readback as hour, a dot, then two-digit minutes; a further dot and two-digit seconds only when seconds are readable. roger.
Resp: 3.03
